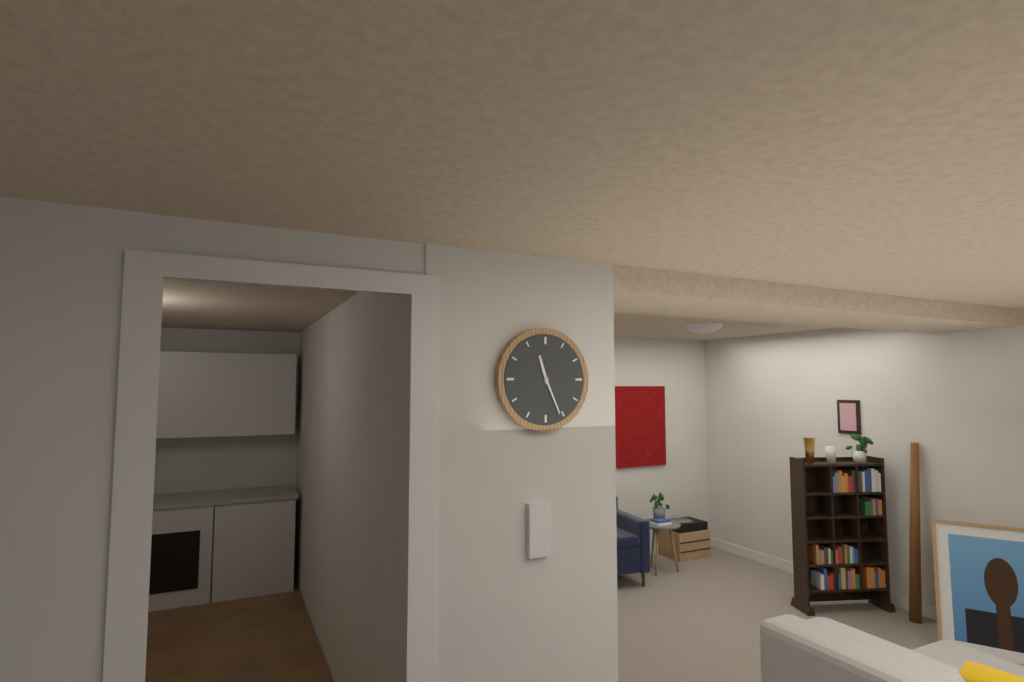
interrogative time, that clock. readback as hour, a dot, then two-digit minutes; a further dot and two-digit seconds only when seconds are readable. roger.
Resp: 11.26
